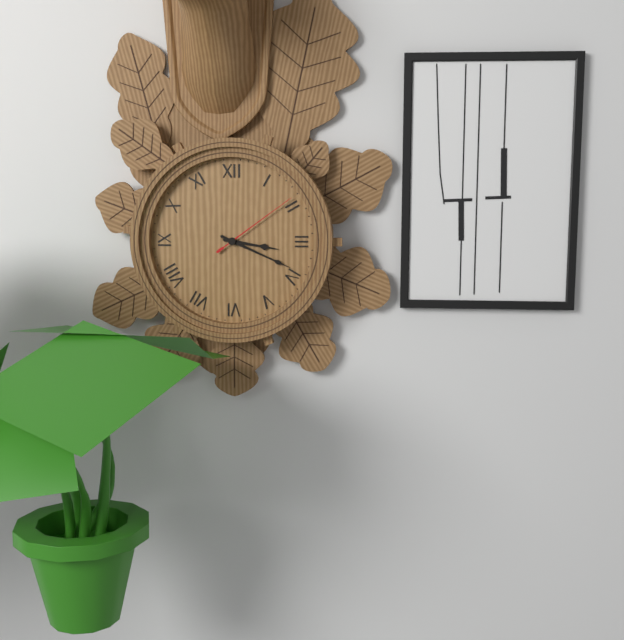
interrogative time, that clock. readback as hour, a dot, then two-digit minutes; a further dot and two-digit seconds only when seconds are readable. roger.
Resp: 3.19.09
